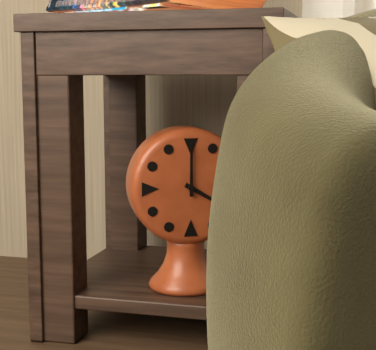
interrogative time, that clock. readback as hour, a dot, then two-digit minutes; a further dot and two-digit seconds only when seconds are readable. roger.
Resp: 4.00
